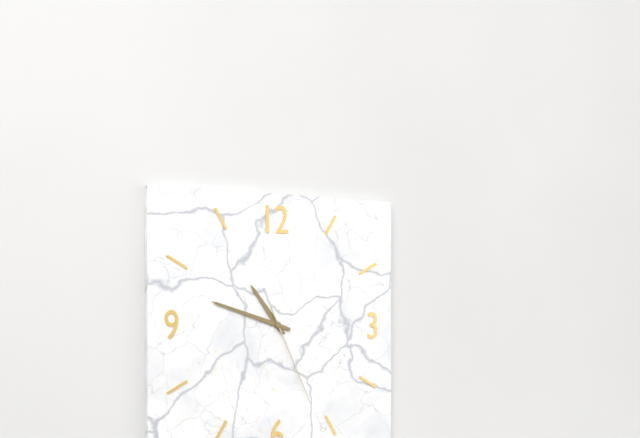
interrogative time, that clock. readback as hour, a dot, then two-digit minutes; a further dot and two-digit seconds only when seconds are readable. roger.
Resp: 10.48.26
